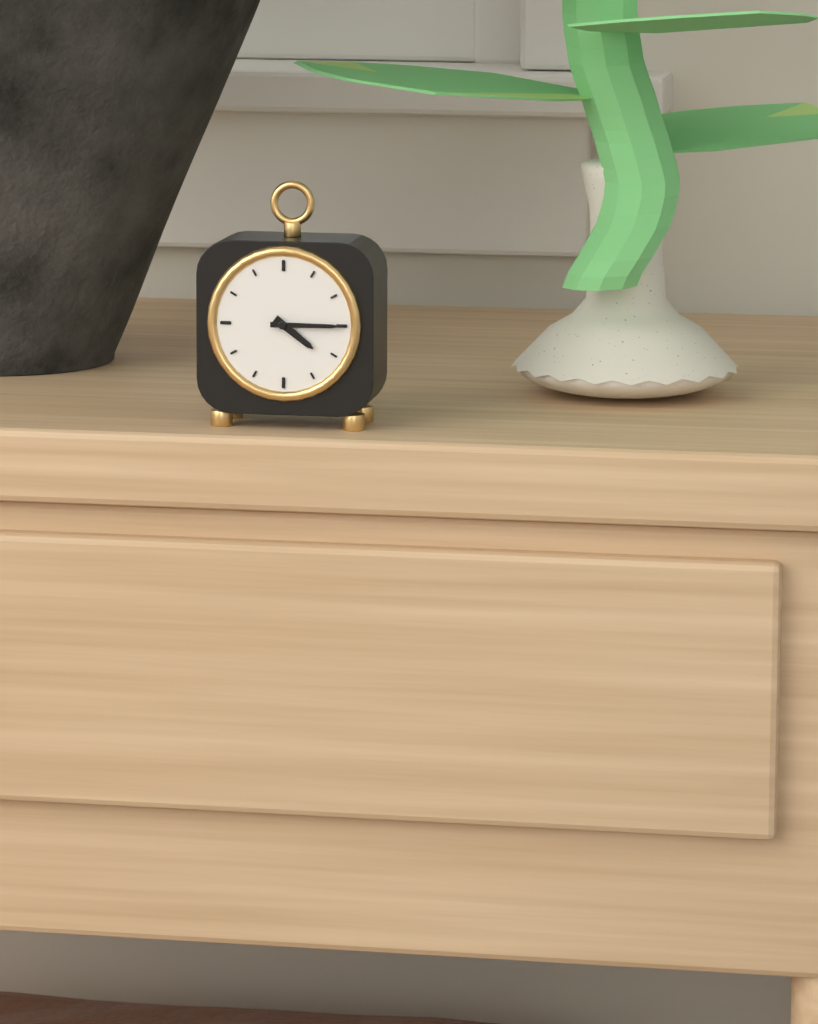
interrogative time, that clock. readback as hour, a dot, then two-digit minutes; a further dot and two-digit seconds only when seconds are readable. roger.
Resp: 4.15
